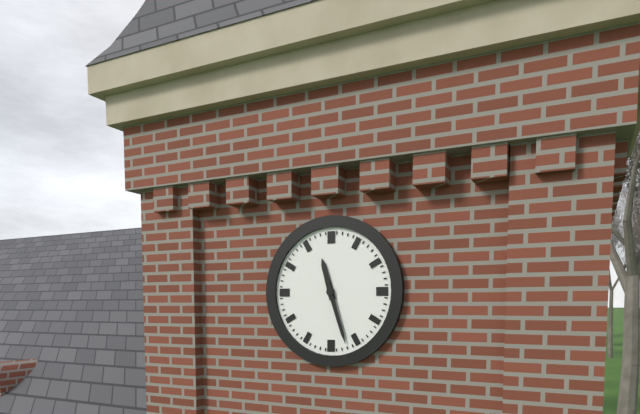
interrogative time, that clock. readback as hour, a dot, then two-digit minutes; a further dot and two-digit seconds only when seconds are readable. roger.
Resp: 11.27
